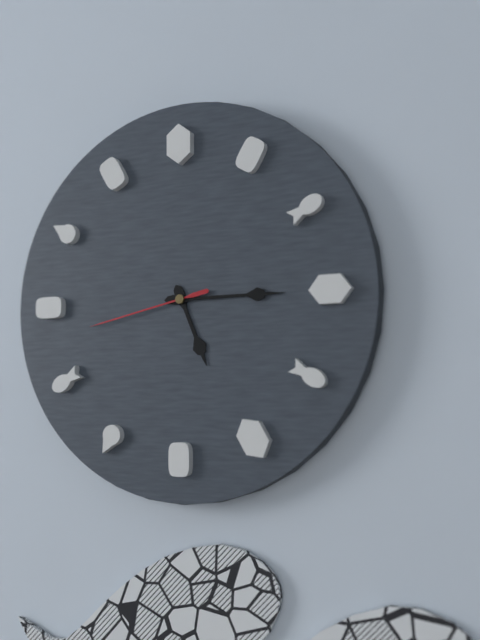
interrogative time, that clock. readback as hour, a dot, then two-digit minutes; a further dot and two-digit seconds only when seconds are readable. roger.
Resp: 5.15.43
